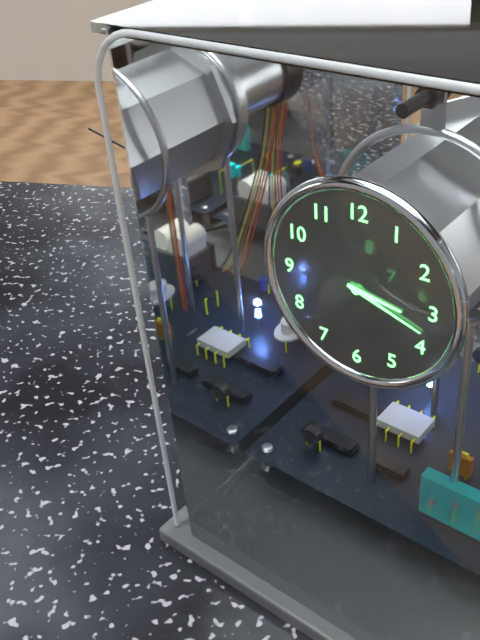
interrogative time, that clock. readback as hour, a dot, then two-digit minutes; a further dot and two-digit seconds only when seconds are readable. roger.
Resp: 3.18
